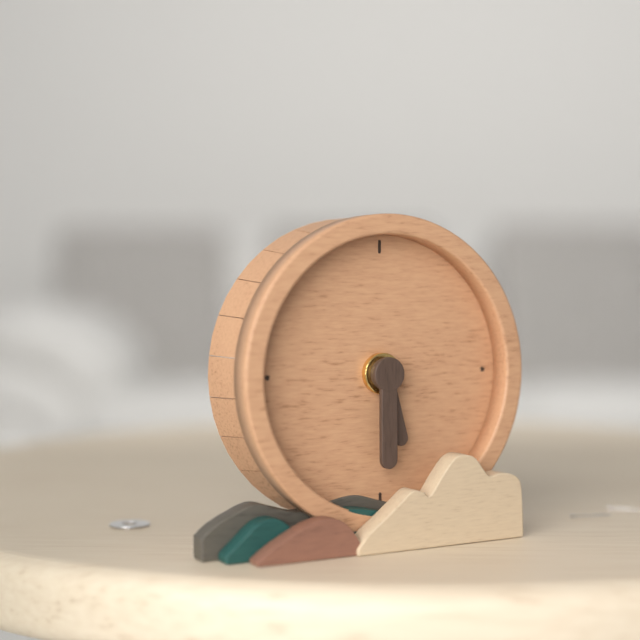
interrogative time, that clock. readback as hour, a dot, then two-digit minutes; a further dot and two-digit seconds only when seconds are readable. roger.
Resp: 5.30
